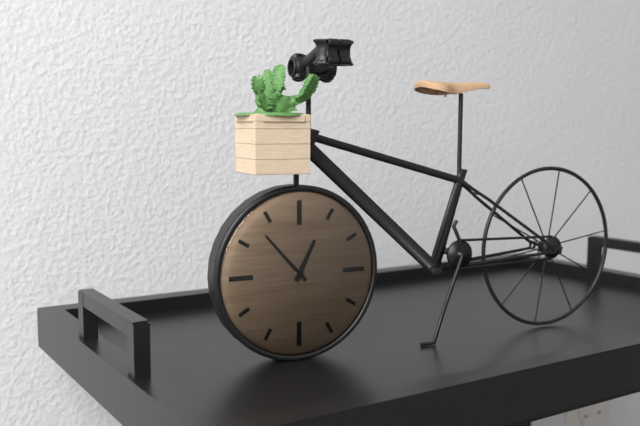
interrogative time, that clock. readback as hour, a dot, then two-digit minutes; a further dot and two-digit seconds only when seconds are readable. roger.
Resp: 12.53
